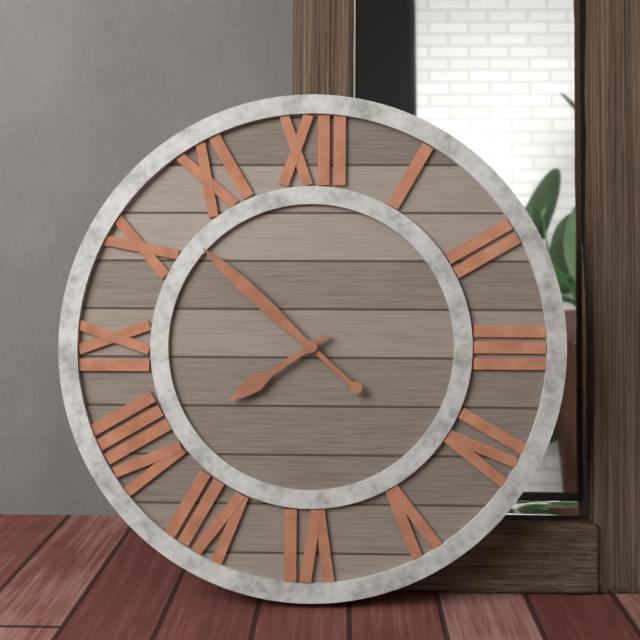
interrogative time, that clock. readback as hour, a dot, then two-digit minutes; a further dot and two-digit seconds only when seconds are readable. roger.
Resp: 7.52
